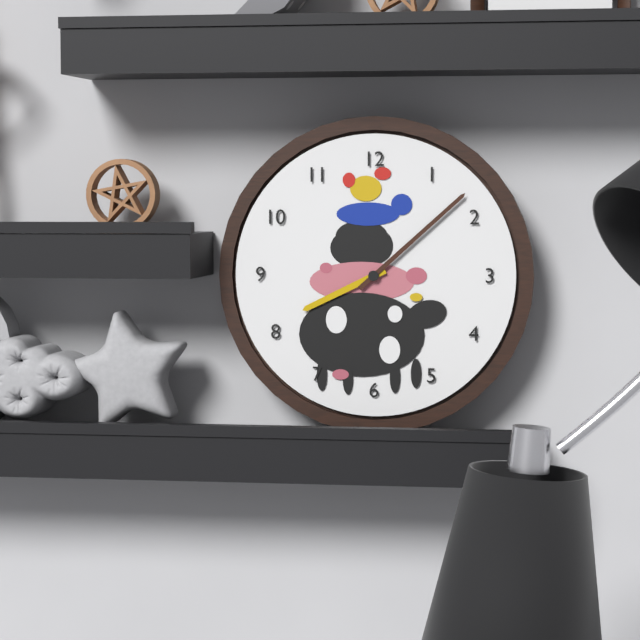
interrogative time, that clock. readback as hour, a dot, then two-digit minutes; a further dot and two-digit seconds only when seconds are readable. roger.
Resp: 8.08
